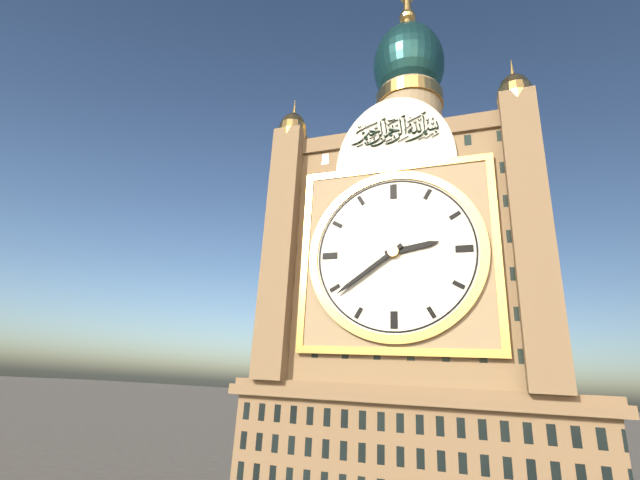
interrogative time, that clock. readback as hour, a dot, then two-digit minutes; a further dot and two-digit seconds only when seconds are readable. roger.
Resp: 2.39
